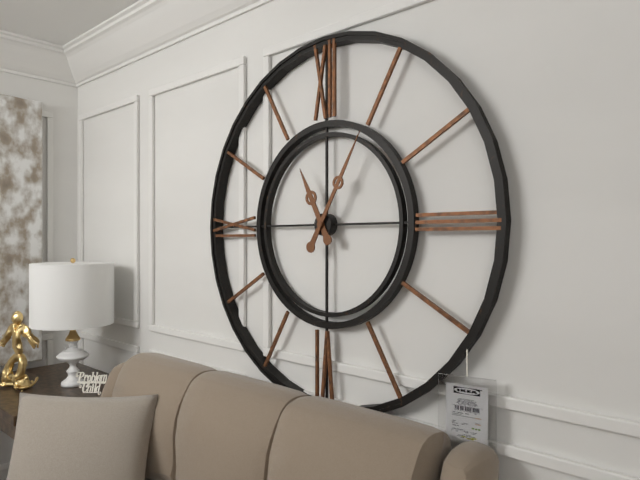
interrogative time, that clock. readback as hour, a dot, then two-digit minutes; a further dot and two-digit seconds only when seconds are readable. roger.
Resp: 11.05
